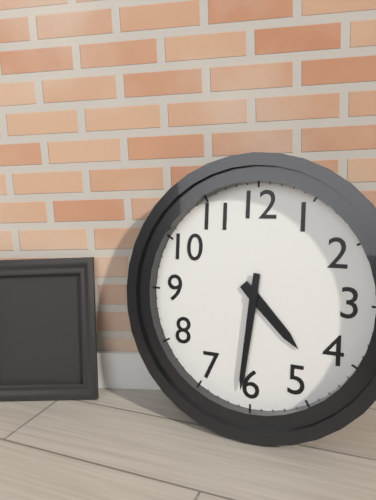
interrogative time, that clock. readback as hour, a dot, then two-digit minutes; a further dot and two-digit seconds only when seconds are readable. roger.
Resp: 4.31
